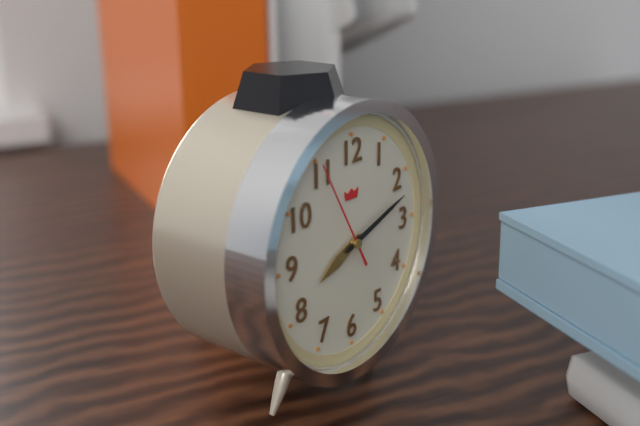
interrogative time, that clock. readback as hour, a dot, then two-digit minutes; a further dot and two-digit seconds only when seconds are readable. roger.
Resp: 8.12.55
